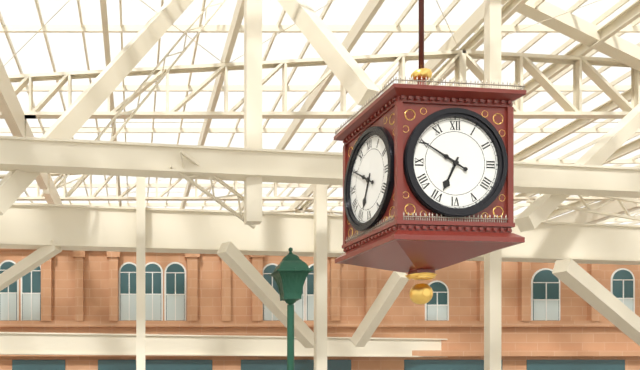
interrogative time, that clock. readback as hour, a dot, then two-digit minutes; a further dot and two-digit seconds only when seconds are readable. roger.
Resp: 6.50
